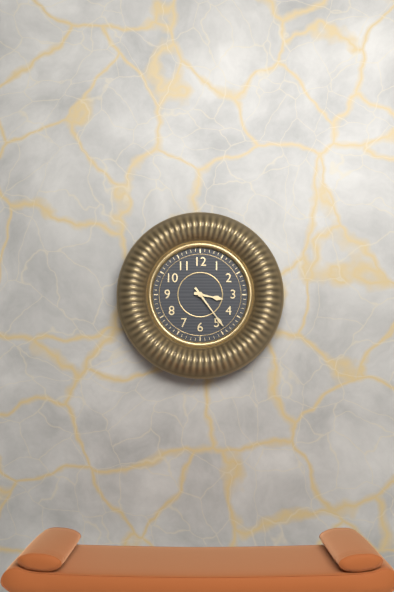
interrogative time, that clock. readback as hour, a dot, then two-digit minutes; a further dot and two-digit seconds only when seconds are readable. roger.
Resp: 3.24
